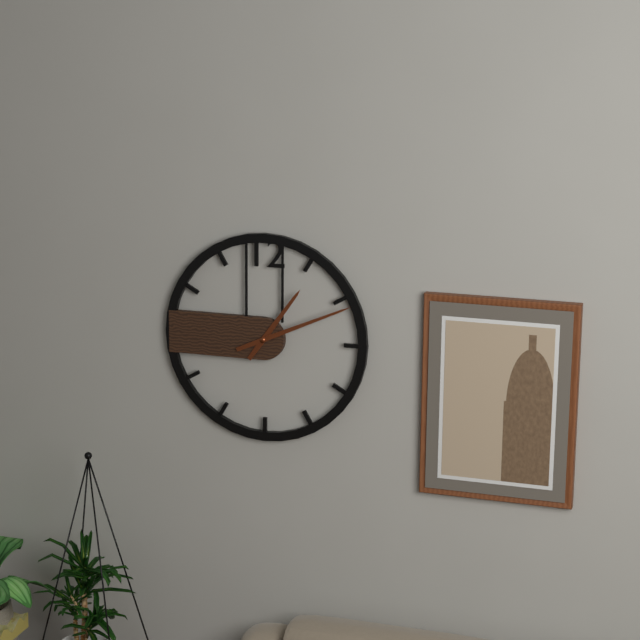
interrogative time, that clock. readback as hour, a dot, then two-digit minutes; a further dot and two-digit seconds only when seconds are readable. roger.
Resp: 1.11
